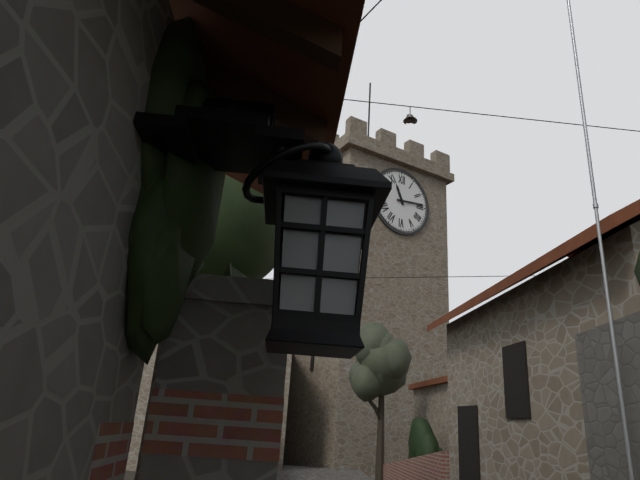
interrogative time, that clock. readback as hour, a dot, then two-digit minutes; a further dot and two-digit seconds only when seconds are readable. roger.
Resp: 11.14
